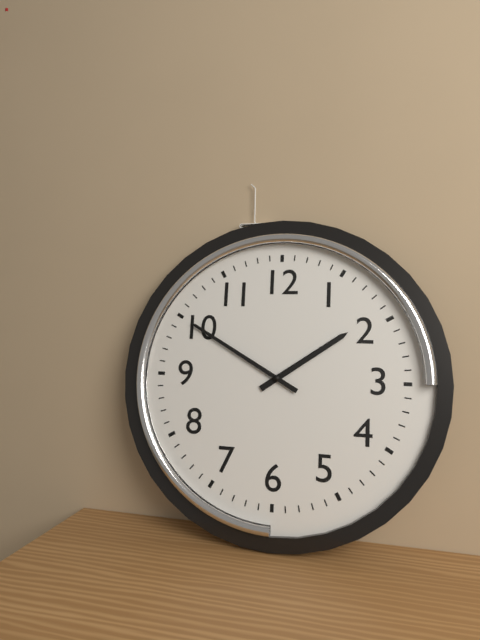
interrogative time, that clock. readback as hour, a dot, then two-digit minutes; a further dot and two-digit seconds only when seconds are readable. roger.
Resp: 1.50
